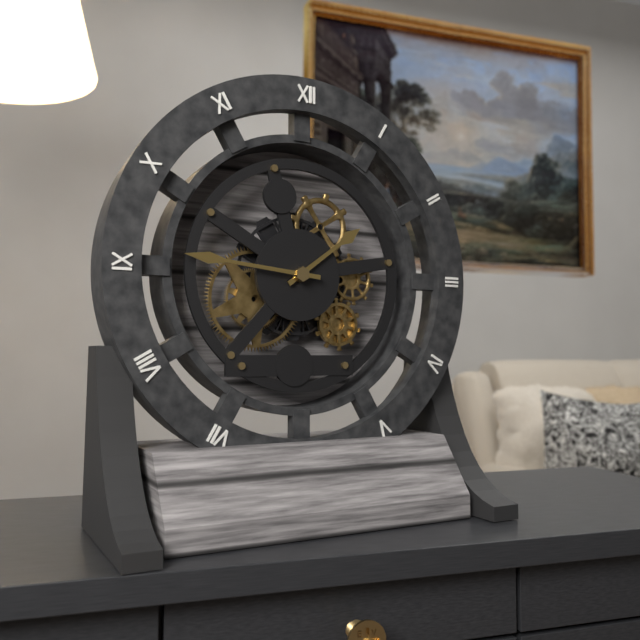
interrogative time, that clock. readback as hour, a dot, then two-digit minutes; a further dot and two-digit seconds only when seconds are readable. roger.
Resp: 1.46
